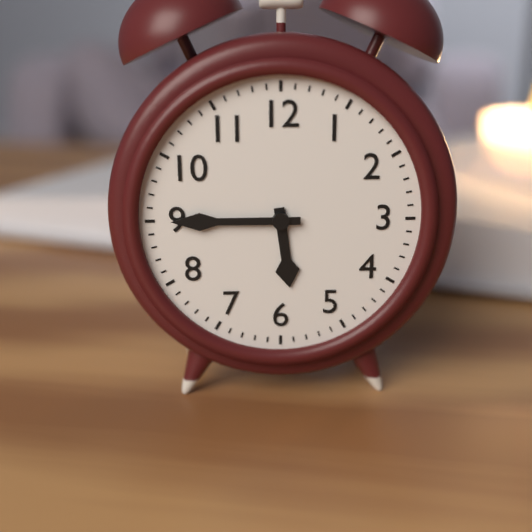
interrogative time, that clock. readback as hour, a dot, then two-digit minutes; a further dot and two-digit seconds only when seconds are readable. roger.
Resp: 5.45
